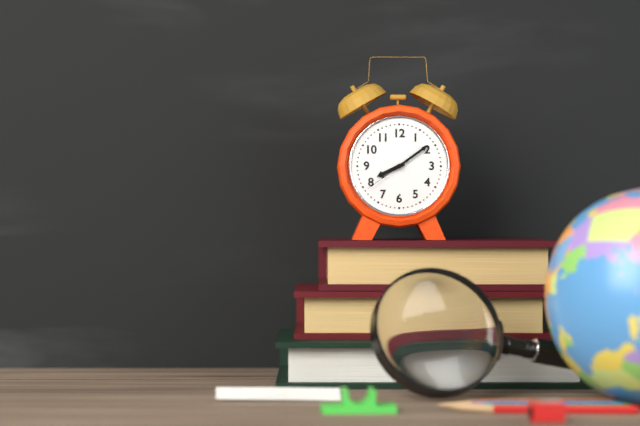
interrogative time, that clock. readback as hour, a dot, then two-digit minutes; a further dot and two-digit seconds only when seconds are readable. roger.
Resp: 8.09
